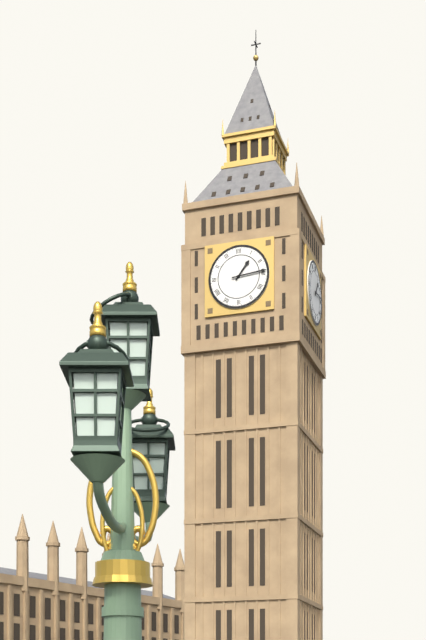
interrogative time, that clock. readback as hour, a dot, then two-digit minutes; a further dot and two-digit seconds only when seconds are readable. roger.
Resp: 1.14
